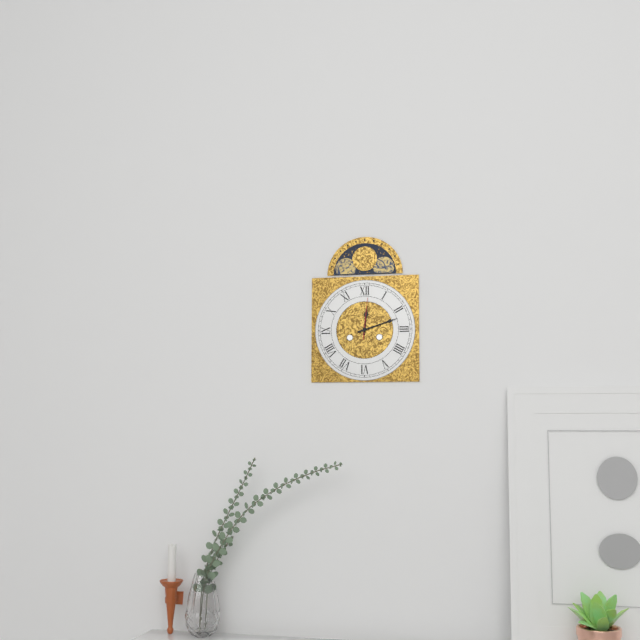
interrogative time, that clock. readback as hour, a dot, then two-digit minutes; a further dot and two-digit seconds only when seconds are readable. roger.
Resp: 12.12
